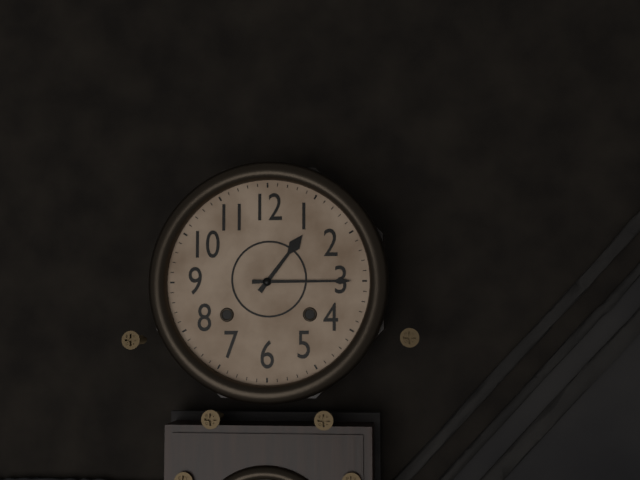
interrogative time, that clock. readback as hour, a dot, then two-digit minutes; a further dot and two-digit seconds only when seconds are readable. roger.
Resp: 1.15
